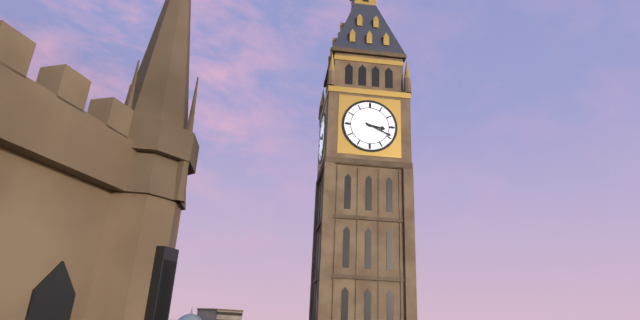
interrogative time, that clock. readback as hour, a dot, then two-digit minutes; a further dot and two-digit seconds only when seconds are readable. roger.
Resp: 3.19
